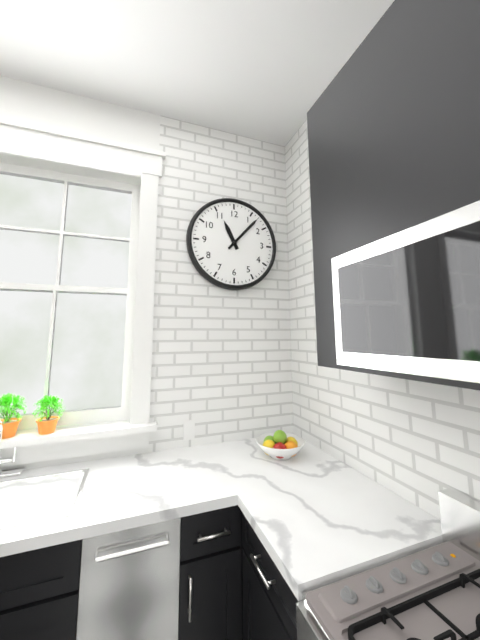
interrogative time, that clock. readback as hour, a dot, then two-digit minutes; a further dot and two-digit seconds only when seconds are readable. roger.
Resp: 11.07
